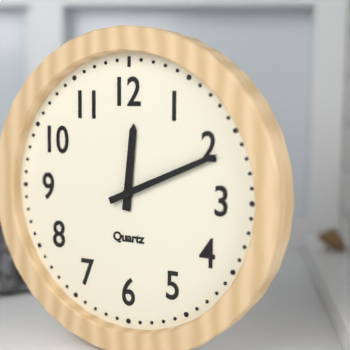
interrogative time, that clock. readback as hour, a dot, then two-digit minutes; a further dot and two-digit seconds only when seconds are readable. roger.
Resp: 12.11
